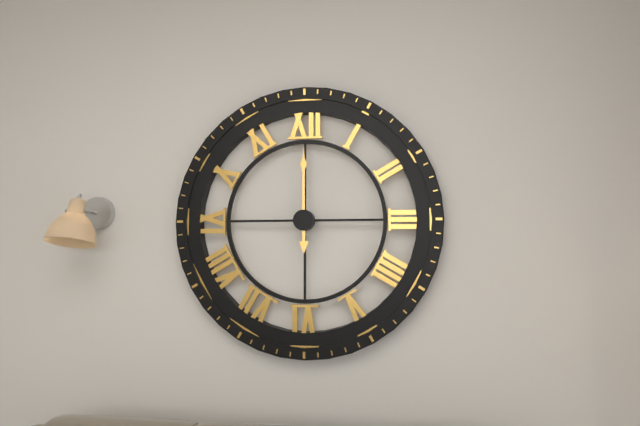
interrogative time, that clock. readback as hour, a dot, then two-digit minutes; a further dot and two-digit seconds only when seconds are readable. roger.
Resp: 6.00
